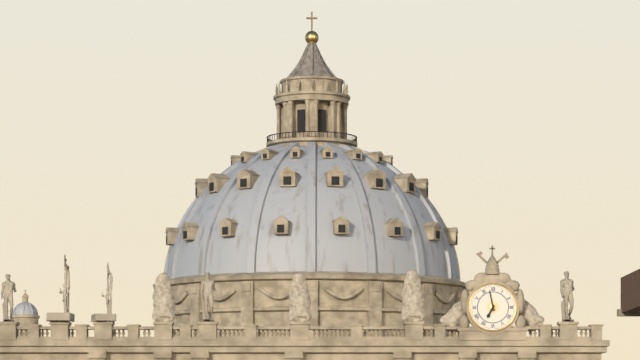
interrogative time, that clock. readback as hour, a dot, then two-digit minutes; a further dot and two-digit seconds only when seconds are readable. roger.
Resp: 6.58
